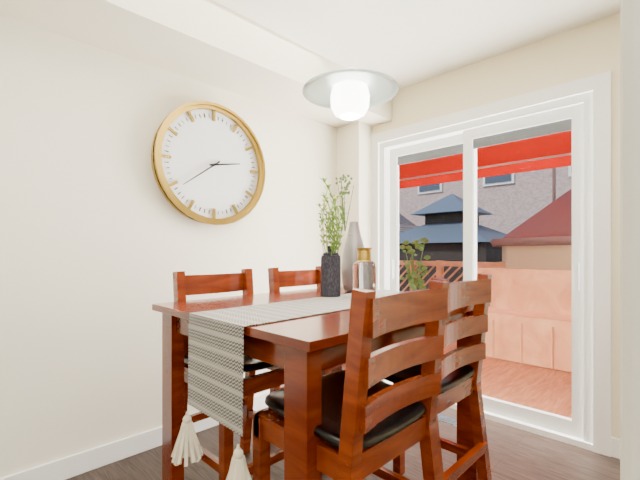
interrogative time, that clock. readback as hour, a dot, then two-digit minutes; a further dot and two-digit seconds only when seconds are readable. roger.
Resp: 2.39
